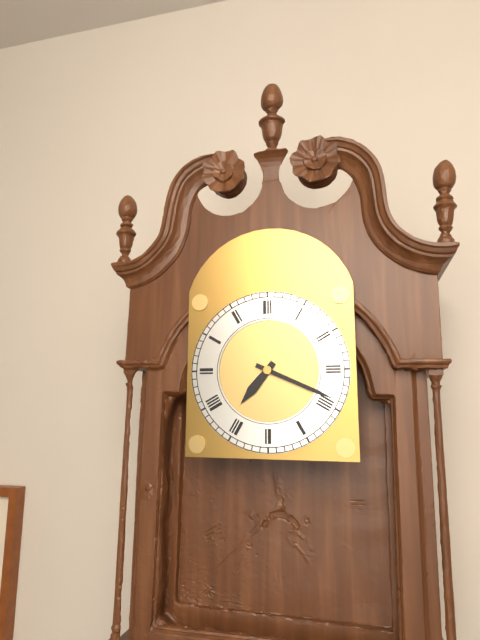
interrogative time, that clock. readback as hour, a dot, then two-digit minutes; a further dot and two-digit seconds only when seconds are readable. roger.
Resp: 7.19
